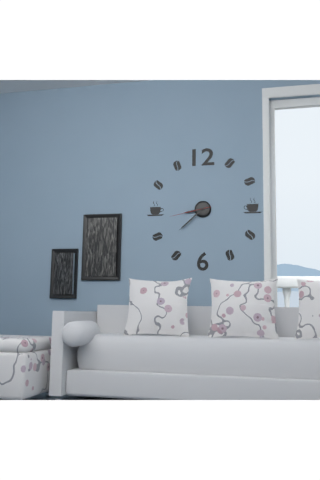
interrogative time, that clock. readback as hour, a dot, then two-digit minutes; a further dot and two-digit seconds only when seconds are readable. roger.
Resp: 8.38
